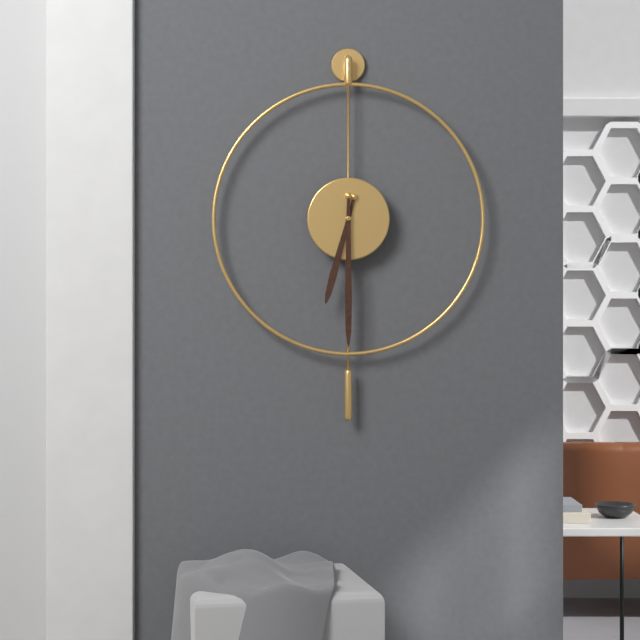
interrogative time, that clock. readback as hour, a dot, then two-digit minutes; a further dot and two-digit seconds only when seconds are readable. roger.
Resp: 6.30
